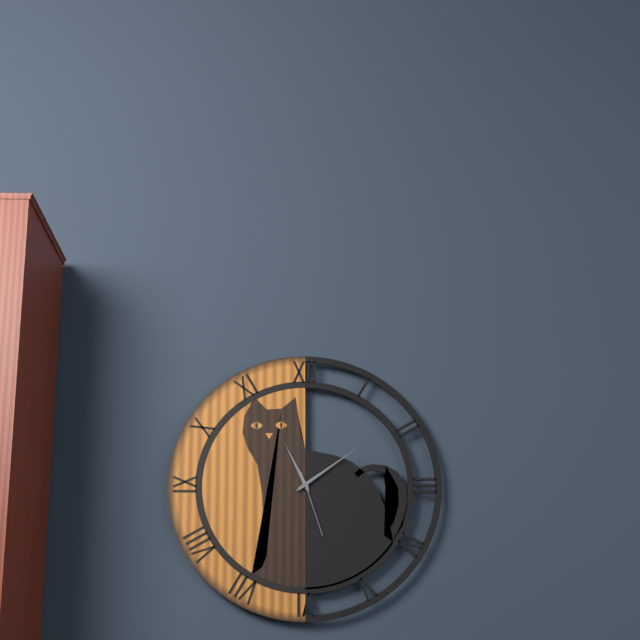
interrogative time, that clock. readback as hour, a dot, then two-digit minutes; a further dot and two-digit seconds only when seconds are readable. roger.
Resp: 11.09.27
